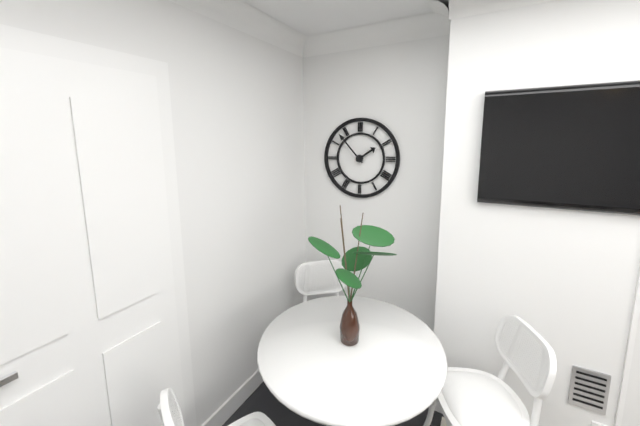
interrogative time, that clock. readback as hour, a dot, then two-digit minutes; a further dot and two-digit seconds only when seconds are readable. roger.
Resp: 1.53
